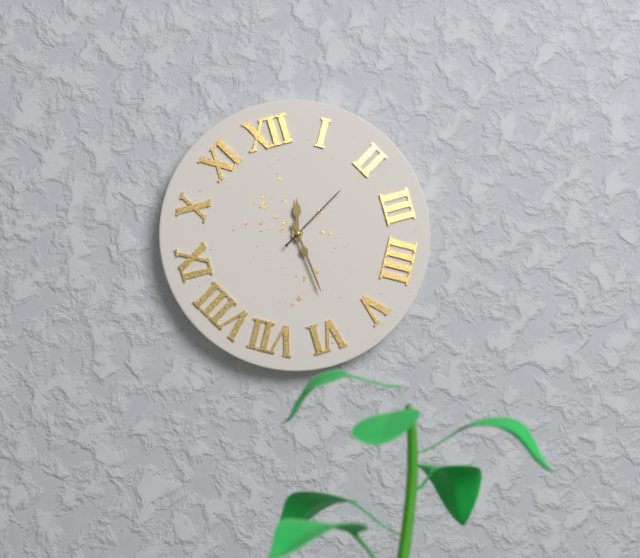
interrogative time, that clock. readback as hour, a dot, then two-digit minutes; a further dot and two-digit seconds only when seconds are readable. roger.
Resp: 12.29.10
